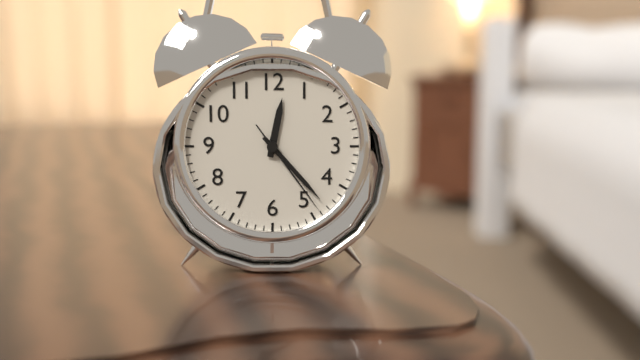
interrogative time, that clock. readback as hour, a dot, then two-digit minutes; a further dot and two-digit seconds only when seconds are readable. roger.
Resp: 12.23.24
